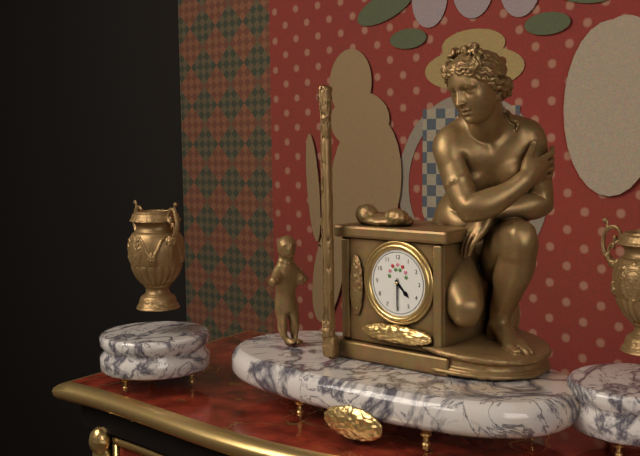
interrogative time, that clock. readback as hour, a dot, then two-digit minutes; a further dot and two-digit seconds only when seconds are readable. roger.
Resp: 4.30
